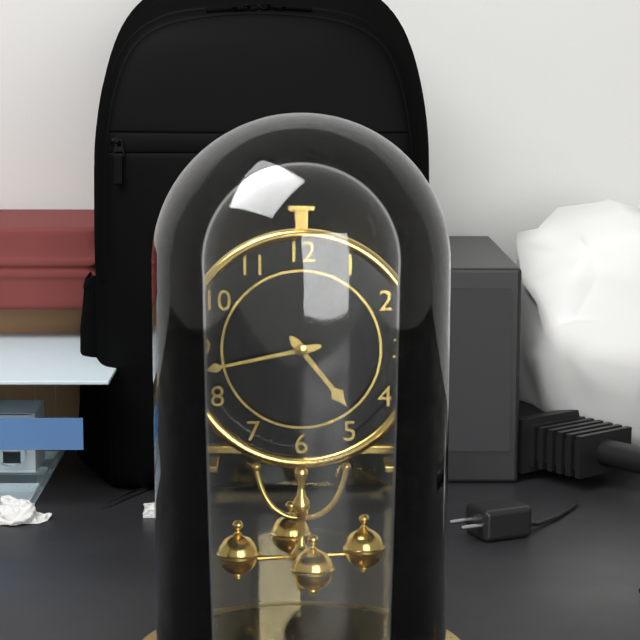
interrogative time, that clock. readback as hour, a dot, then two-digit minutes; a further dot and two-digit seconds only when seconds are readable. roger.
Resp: 4.43
